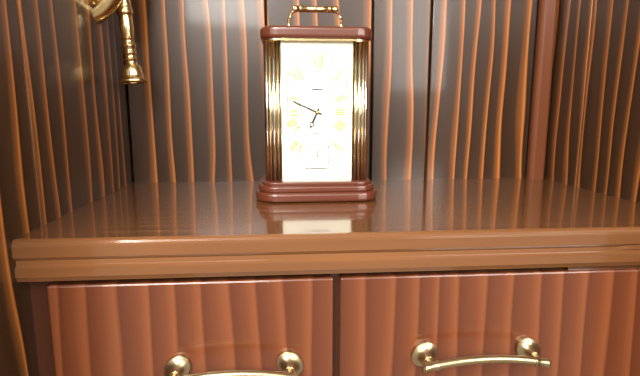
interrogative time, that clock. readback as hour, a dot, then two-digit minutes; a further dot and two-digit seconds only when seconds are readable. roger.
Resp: 6.49
